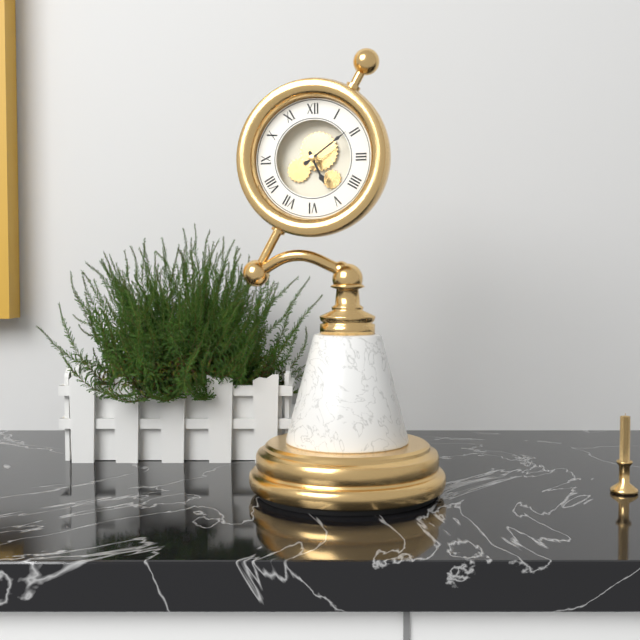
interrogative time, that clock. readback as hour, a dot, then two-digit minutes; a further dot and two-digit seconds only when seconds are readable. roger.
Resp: 5.09
